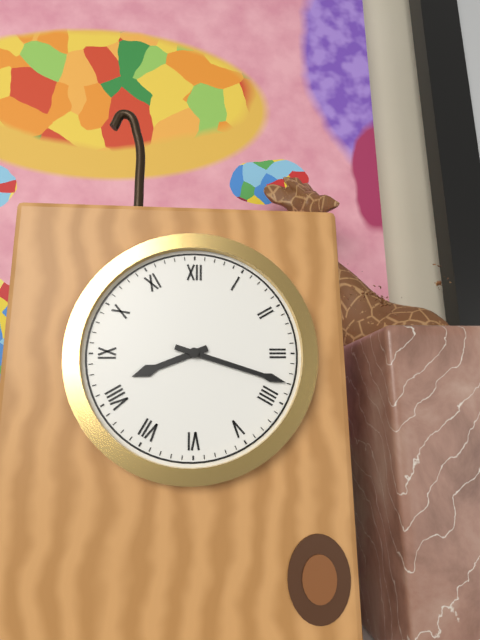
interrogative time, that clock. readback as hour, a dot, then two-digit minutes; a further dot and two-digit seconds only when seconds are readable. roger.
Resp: 8.18
